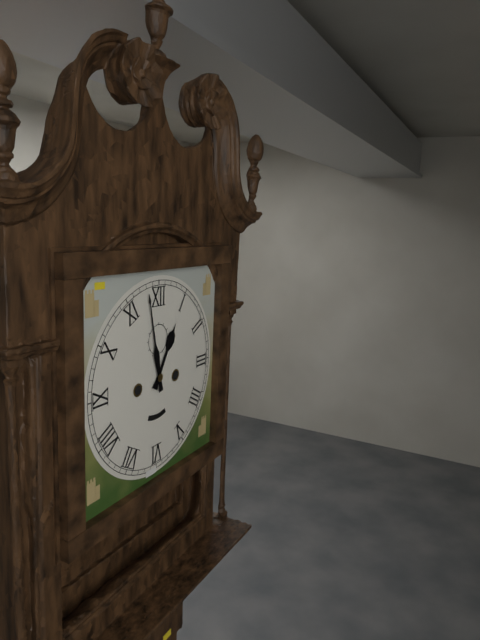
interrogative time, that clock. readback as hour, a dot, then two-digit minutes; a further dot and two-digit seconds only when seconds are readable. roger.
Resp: 12.58
